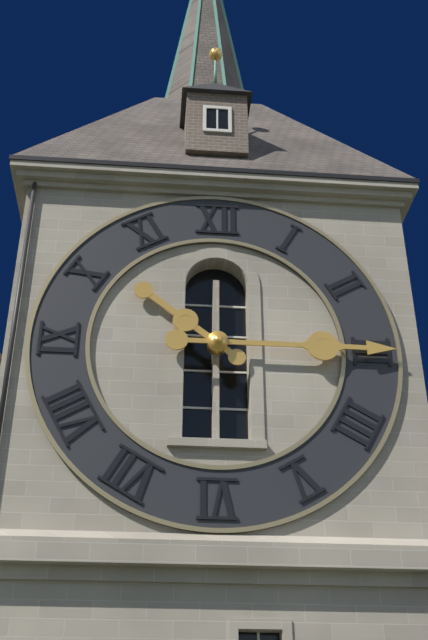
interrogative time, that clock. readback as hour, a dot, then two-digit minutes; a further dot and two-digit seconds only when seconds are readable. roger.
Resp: 10.15
